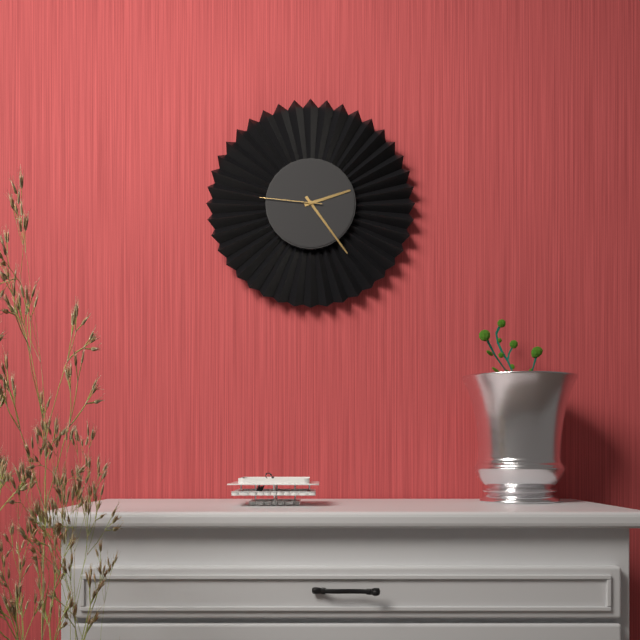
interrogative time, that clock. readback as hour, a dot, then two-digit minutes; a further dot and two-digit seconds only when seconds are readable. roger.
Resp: 2.24.46
